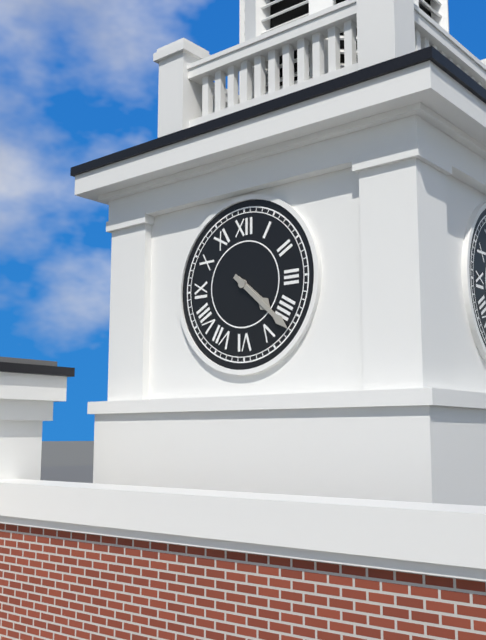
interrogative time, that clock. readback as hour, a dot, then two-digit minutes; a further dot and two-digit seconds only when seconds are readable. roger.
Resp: 4.22
